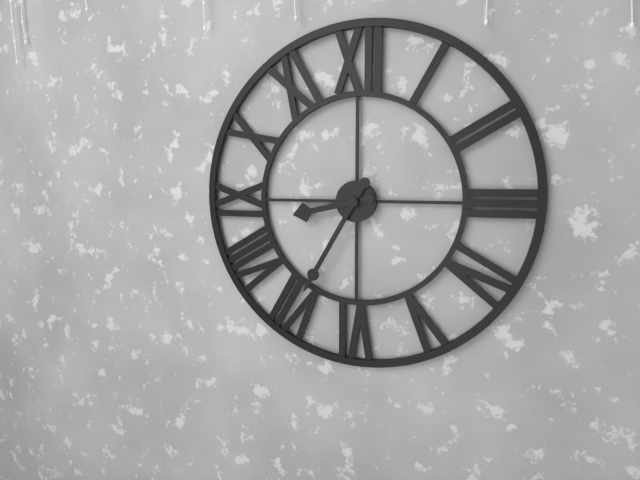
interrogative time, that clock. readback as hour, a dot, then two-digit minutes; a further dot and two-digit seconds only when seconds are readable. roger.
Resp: 8.35
